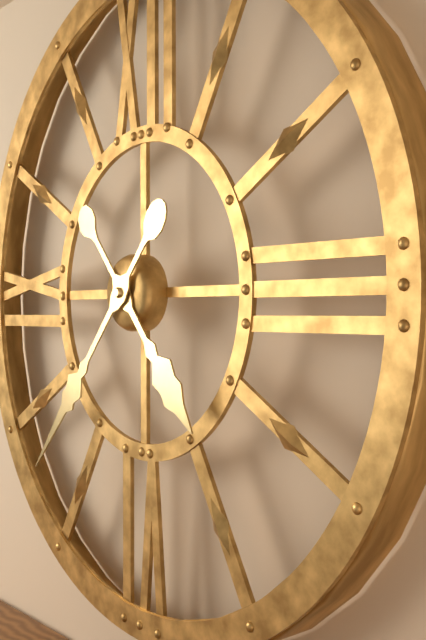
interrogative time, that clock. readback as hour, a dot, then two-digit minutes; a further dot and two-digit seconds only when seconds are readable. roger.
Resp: 4.37
